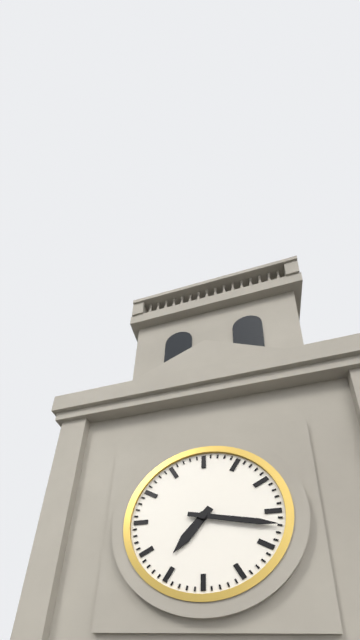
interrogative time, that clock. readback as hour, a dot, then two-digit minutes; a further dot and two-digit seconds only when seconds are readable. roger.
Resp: 7.17
